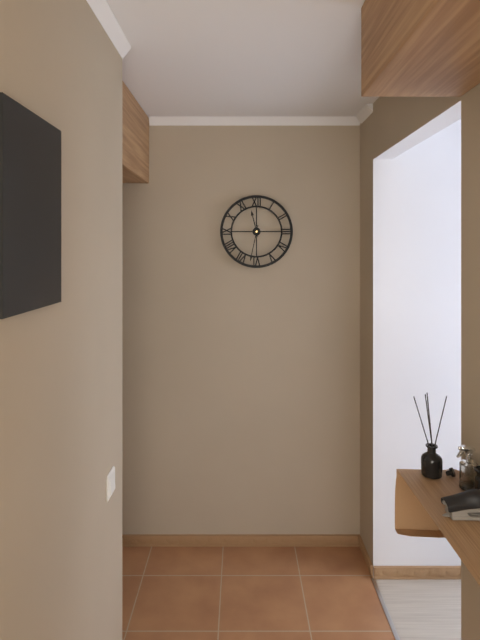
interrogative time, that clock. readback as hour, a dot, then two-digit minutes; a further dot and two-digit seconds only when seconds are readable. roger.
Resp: 11.32
